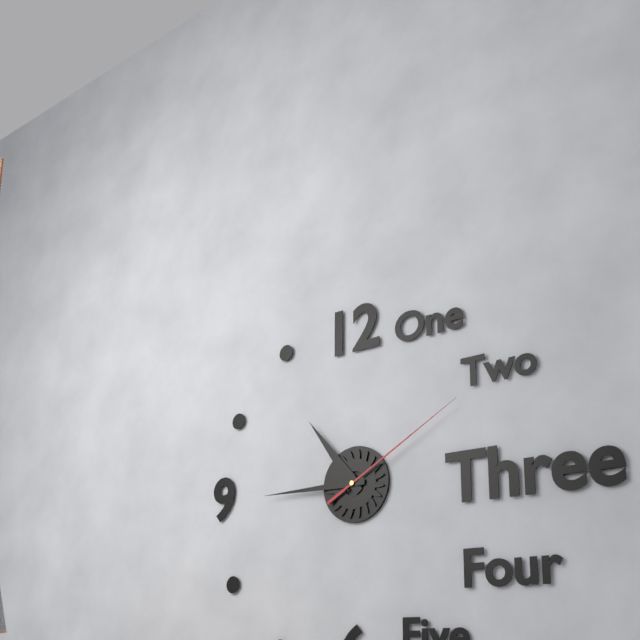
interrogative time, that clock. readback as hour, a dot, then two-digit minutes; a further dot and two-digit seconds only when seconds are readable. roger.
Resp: 10.45.10
